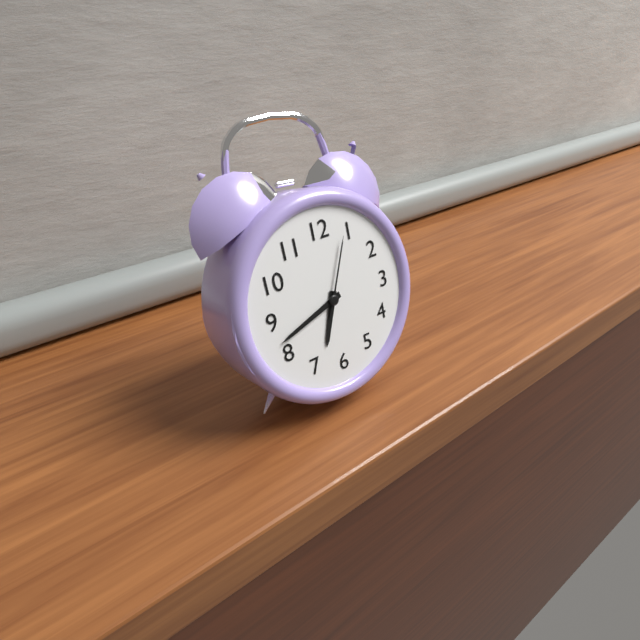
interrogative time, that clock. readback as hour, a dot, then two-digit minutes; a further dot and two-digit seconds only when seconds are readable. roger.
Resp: 6.42.04
